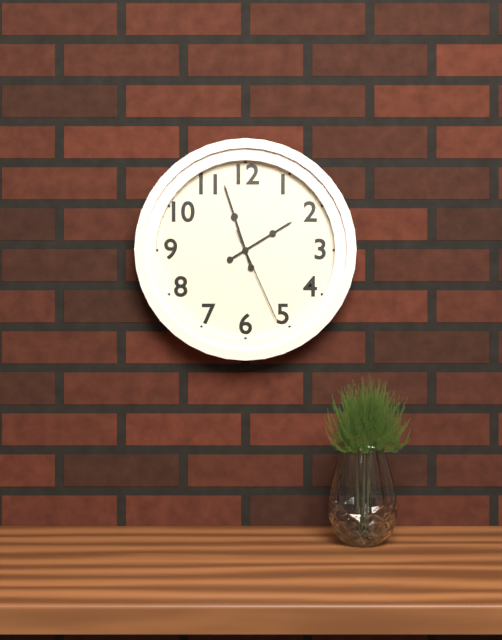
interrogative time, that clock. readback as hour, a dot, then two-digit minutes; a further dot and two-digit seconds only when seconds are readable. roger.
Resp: 1.57.26
